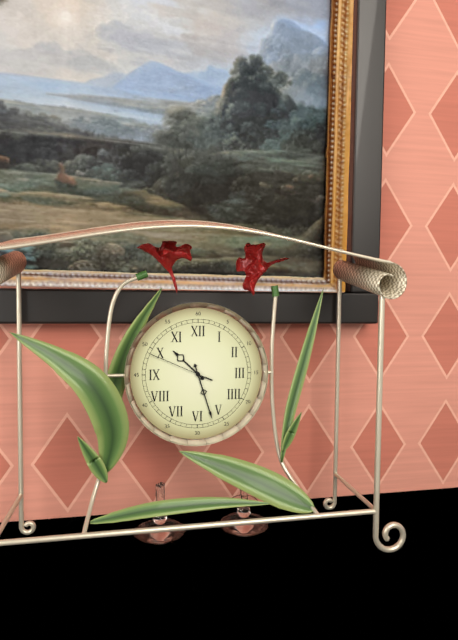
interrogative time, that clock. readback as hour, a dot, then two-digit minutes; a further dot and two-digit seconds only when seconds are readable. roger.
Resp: 10.27.49
